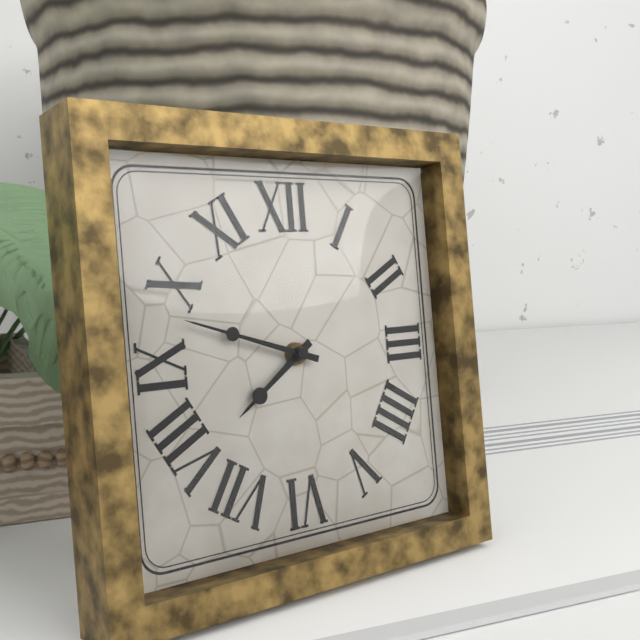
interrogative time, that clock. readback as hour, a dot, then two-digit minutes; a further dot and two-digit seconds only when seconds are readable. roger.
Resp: 7.48
